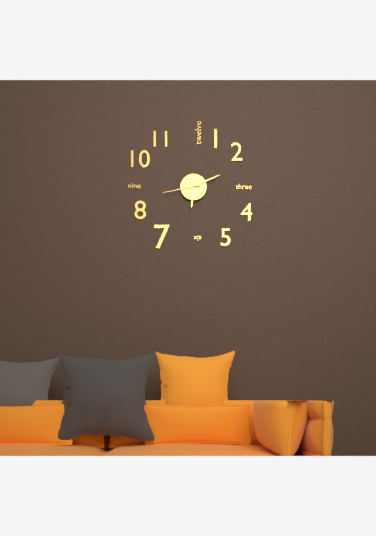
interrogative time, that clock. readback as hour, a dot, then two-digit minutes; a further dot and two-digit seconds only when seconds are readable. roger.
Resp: 6.11
